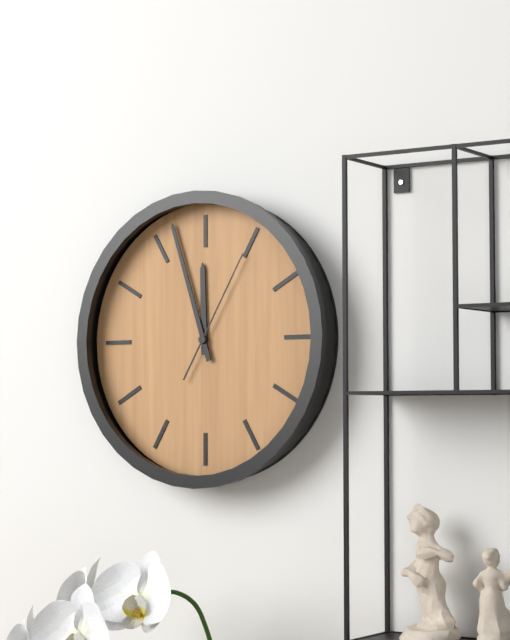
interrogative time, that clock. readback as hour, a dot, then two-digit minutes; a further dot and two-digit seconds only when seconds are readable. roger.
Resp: 11.57.05
